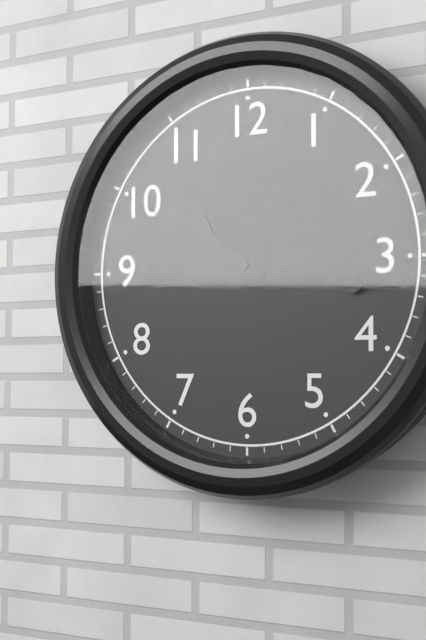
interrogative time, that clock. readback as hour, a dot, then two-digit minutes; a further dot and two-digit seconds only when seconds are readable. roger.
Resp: 10.17.50
